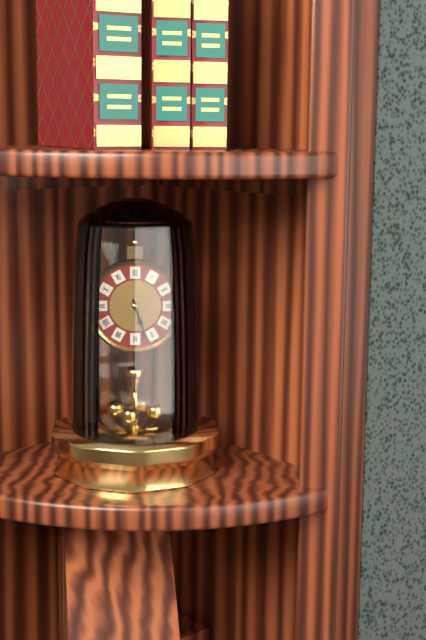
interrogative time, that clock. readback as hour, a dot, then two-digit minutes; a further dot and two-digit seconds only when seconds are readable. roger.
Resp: 5.27
